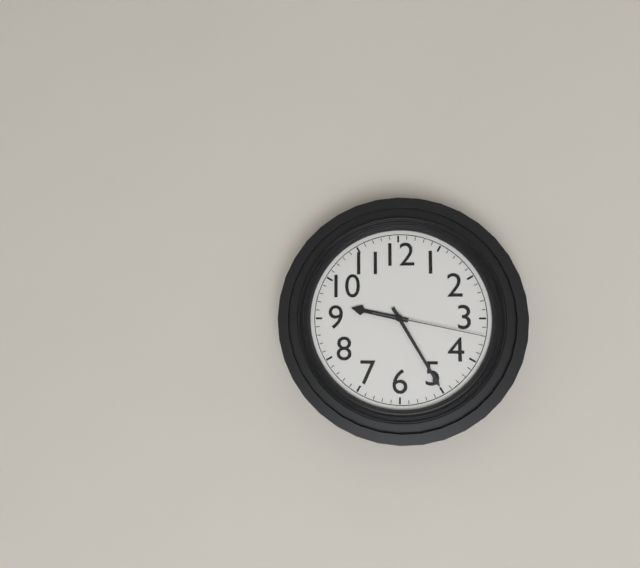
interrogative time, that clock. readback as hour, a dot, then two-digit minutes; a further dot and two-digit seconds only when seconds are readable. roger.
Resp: 9.25.17
